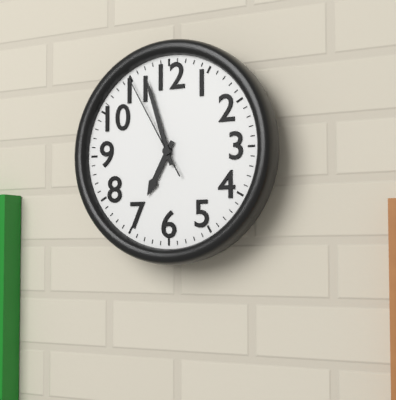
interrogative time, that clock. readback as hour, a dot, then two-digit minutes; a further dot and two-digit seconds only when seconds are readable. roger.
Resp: 6.57.55
